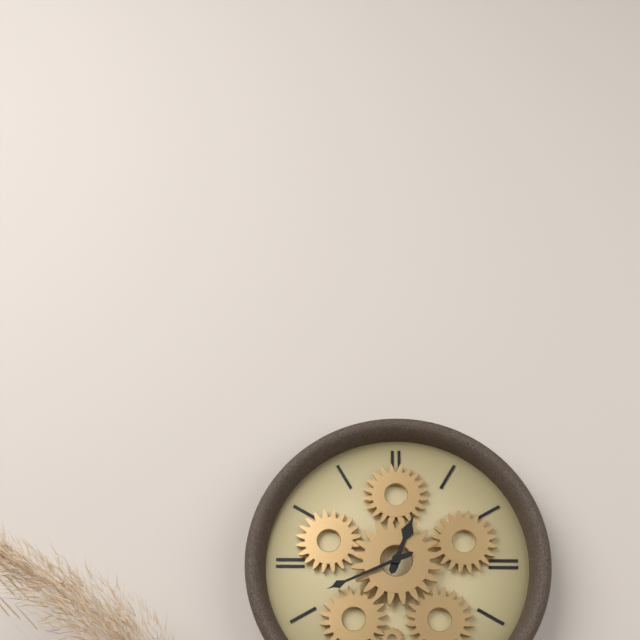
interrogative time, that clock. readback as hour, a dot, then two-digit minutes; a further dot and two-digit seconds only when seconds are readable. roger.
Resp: 12.41
